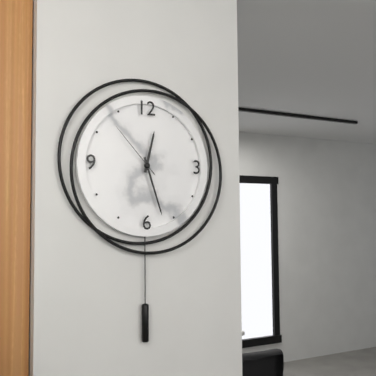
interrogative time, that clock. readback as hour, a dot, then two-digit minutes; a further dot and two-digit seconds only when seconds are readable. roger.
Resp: 12.27.53
